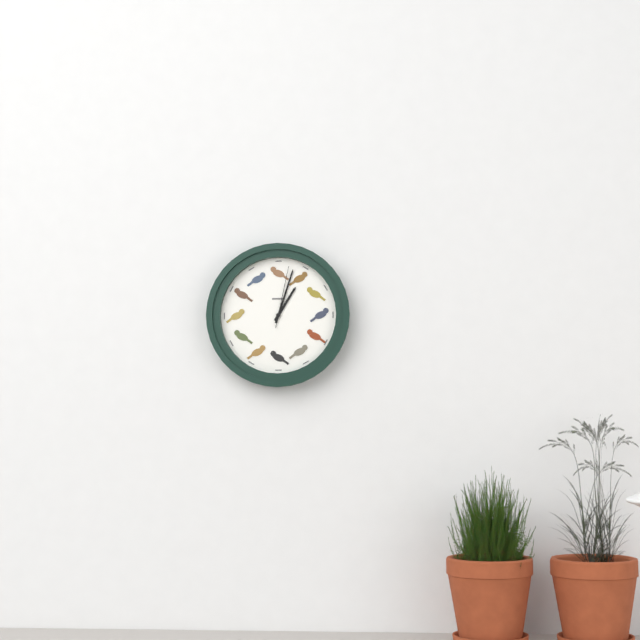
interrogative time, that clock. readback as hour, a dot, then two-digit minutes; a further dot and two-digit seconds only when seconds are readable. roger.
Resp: 1.03.02
